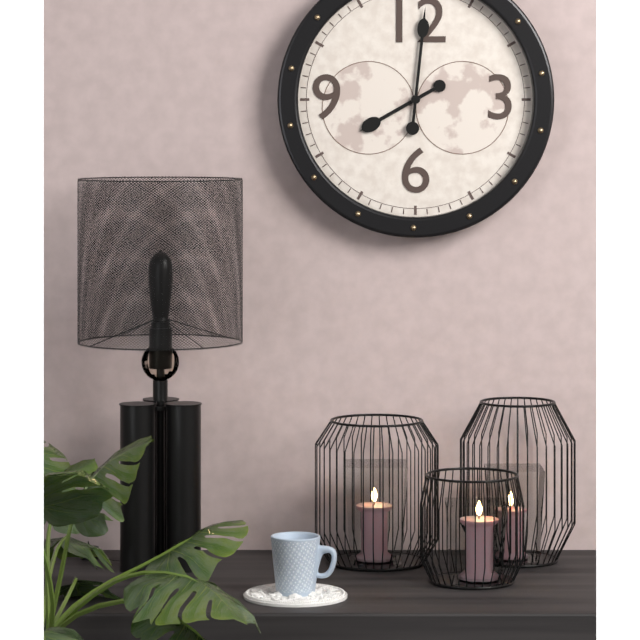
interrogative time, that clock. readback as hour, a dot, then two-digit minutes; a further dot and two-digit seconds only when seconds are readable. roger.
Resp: 8.01
